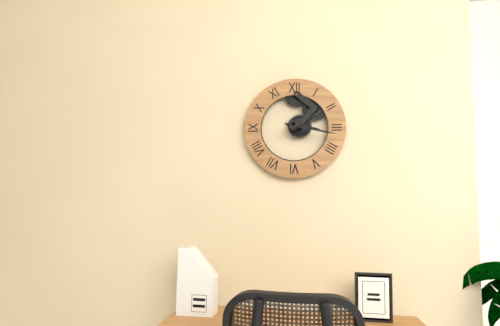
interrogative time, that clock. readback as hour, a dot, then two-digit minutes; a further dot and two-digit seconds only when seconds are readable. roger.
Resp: 3.17
